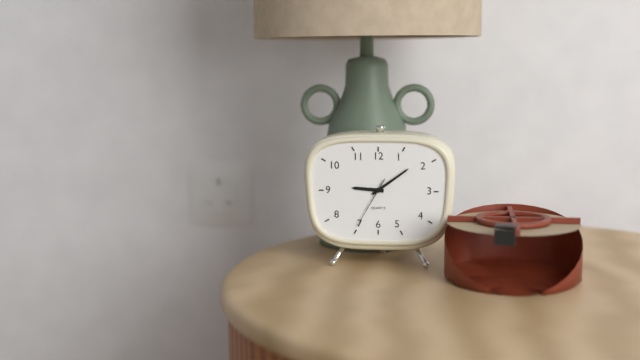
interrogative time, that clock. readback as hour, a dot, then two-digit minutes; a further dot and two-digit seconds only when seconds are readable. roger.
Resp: 9.09.35
